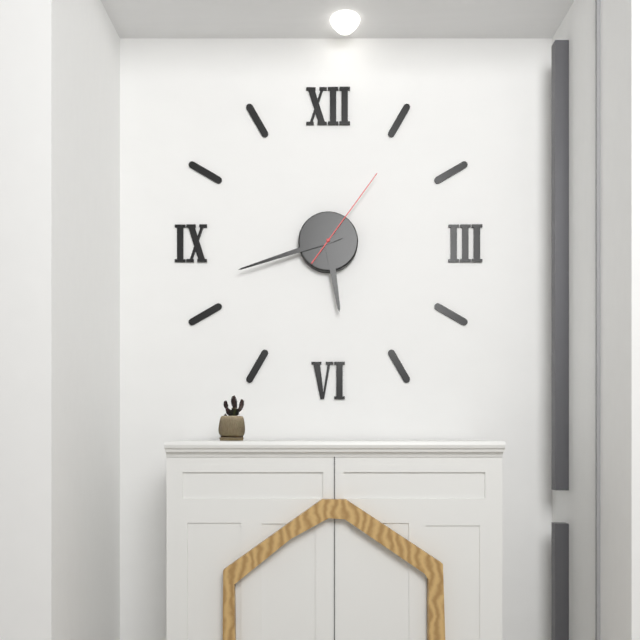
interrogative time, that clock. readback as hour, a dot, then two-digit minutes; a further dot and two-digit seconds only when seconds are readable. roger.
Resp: 5.42.06
